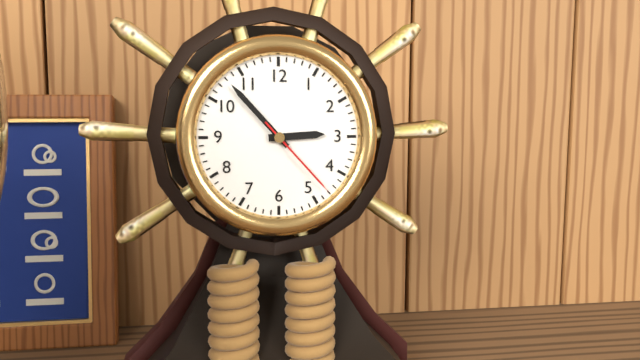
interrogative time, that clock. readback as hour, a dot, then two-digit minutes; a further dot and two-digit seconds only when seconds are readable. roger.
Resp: 2.53.23
